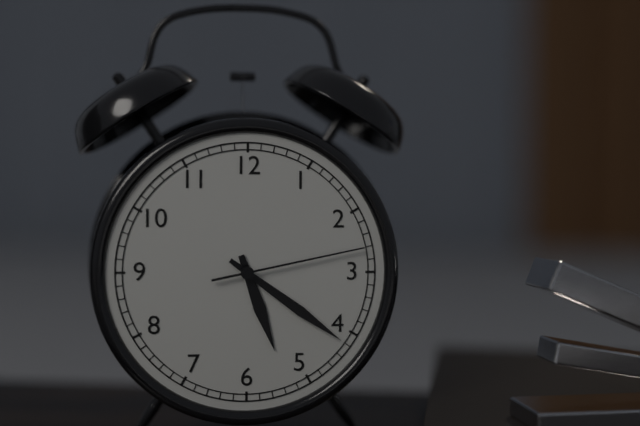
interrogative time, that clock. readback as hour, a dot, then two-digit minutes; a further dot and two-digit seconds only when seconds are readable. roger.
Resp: 5.21.13
